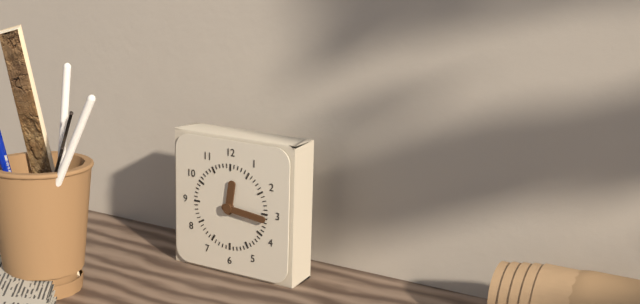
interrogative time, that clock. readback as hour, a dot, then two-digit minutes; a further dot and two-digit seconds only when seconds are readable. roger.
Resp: 12.16
